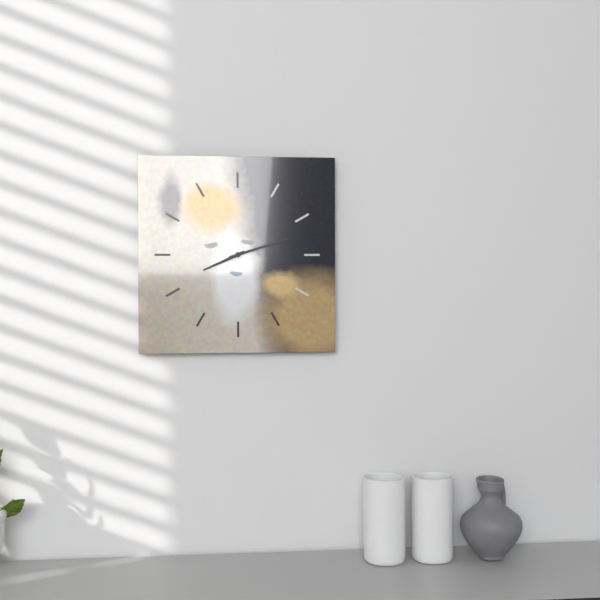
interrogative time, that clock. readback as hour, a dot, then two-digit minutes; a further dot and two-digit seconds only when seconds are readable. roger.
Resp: 8.12
